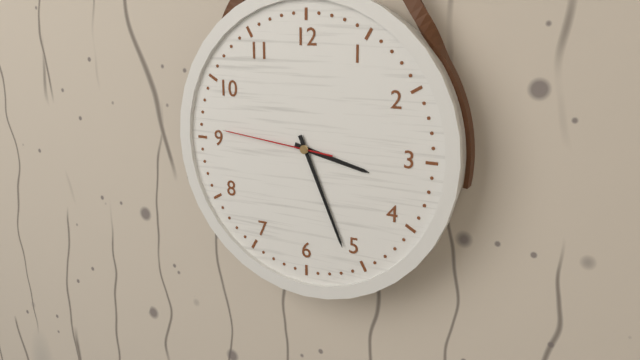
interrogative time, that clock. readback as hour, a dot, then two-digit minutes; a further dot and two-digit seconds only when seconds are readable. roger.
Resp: 3.26.46
